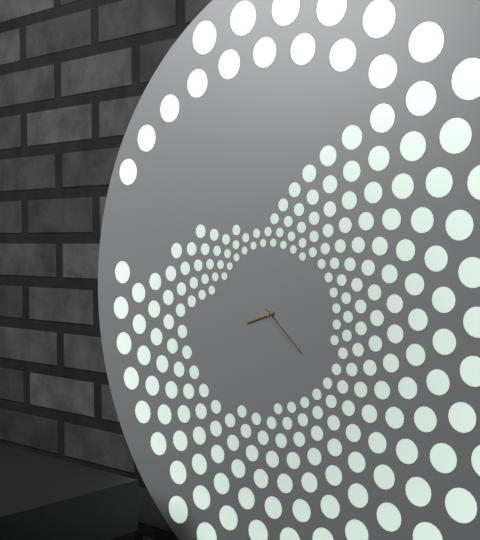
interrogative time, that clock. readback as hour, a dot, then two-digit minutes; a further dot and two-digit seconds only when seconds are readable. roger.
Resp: 8.22
